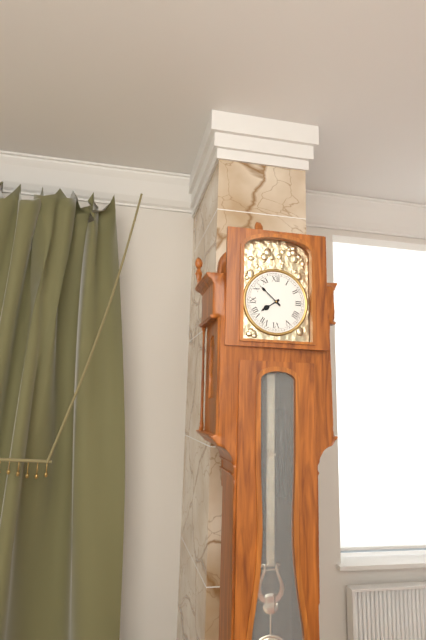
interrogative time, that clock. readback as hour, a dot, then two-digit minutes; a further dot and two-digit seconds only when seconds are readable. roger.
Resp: 7.52
